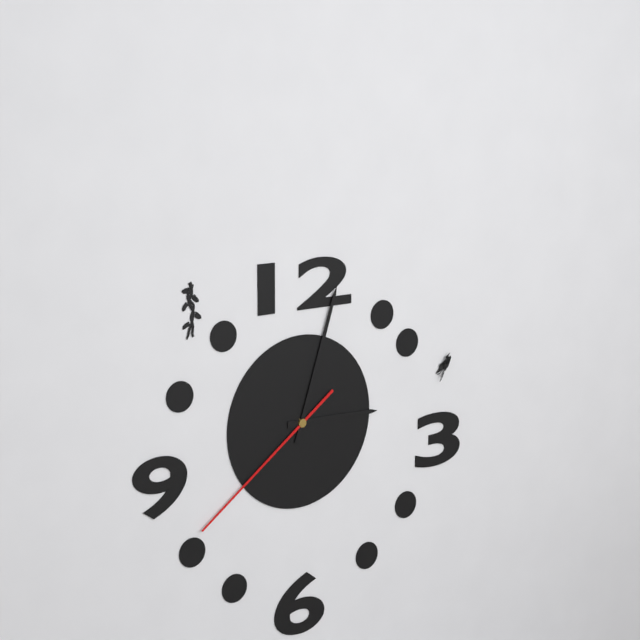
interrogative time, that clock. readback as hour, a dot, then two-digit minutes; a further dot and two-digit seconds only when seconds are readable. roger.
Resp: 3.03.39
